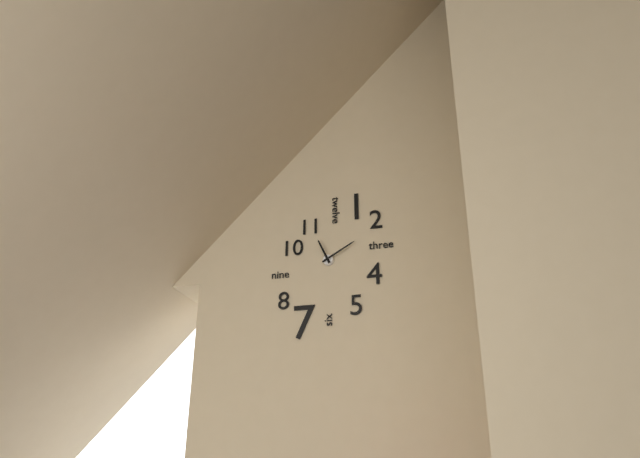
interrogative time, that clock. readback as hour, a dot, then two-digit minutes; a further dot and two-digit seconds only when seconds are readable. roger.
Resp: 11.10
